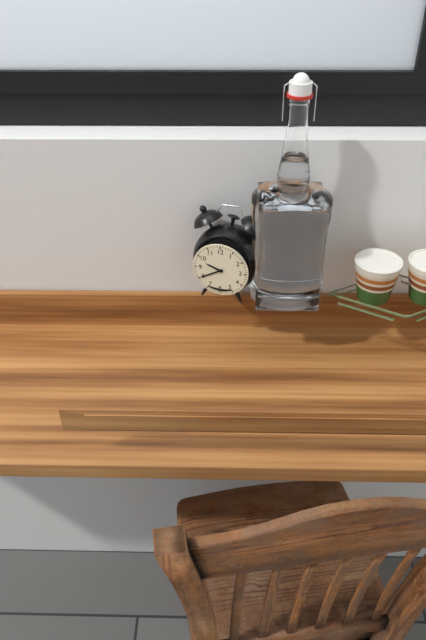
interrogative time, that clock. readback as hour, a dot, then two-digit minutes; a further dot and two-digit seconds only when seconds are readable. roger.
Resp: 9.40
